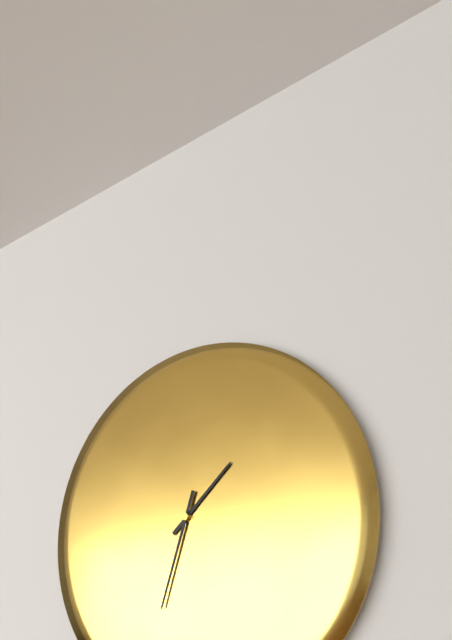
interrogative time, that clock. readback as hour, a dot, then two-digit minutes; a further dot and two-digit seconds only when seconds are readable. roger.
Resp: 1.33
